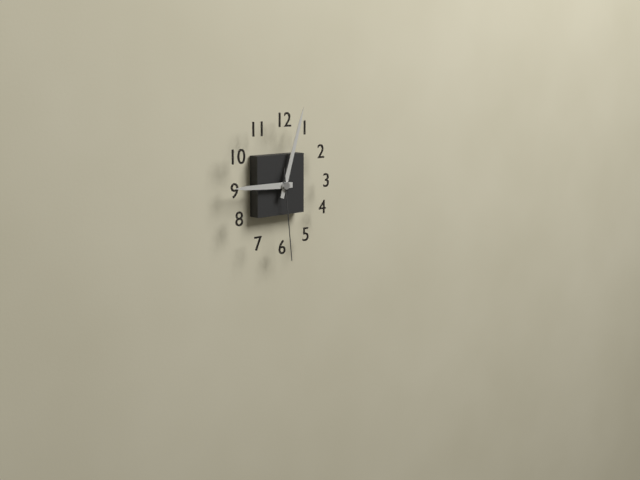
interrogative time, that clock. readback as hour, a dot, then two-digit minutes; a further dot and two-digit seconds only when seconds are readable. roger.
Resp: 9.03.29
